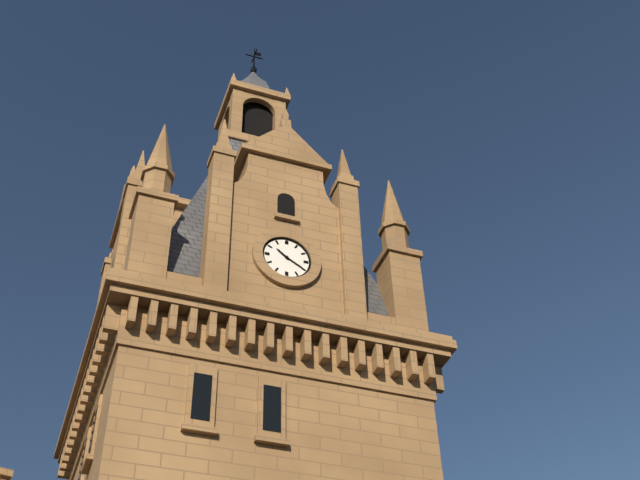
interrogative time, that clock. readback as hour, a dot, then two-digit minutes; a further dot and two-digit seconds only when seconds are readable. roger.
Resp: 10.20
